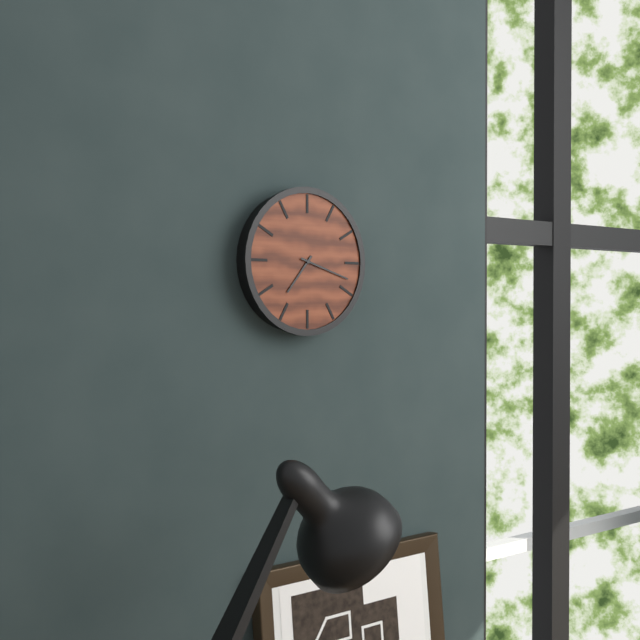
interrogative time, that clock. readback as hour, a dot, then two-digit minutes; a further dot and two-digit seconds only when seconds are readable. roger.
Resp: 7.18
